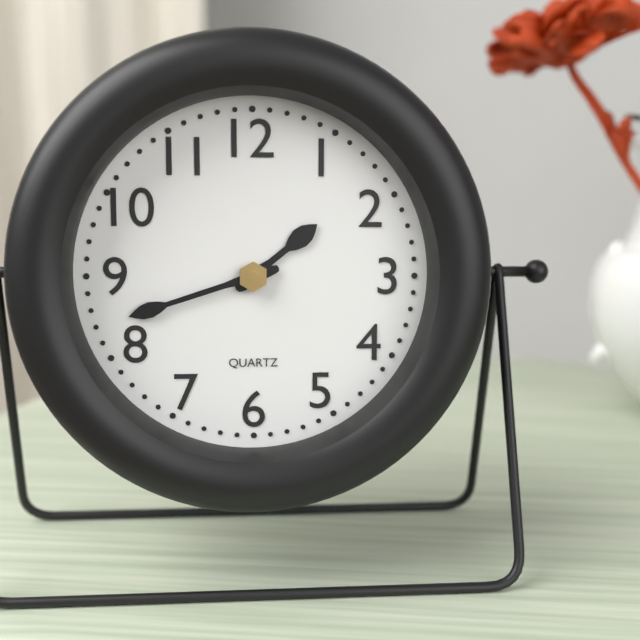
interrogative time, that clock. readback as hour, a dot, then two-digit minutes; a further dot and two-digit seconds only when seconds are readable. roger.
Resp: 1.42
